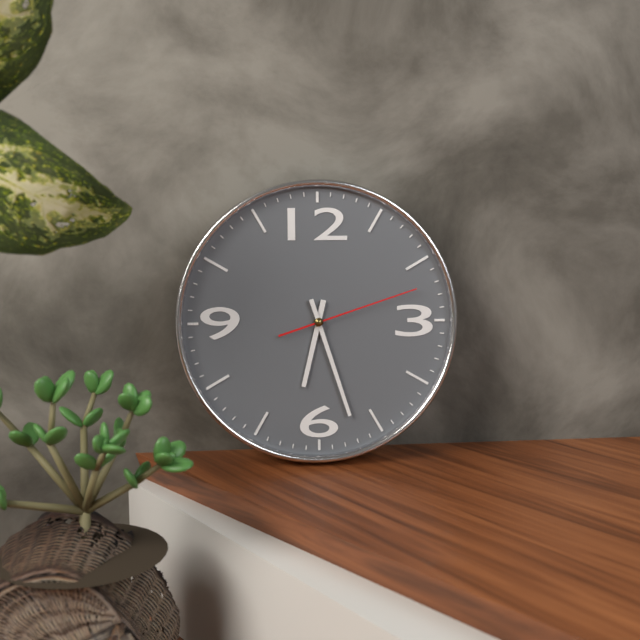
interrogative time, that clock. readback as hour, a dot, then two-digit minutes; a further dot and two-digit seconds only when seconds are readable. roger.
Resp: 6.27.12
